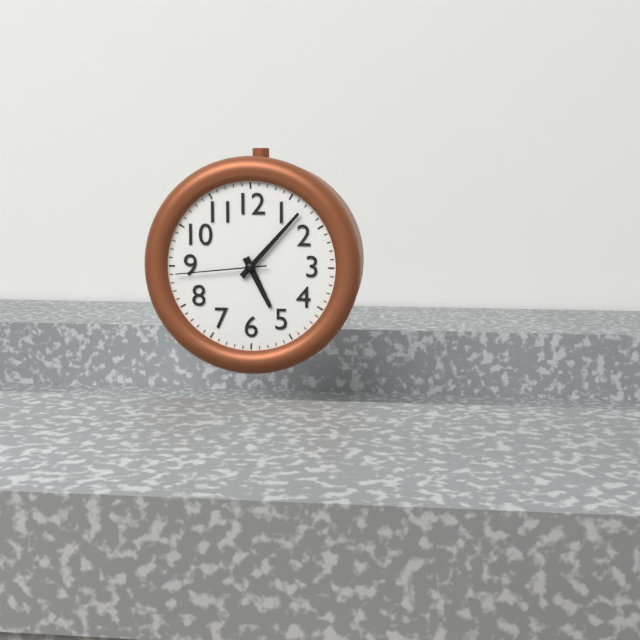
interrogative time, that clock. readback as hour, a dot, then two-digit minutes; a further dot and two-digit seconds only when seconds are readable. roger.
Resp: 5.07.44
